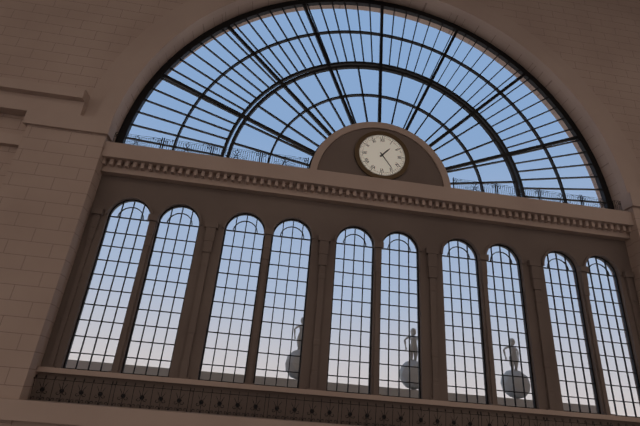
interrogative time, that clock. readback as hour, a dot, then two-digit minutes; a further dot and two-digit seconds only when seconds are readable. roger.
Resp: 1.24
